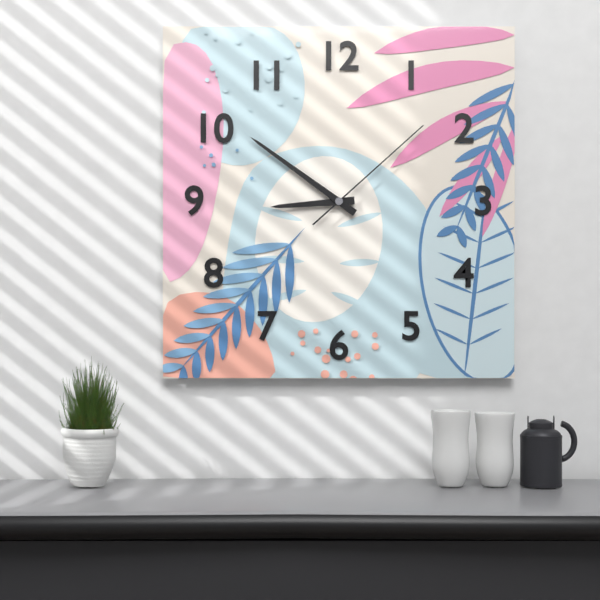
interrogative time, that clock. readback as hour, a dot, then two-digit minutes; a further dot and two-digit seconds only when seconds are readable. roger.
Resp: 8.51.08
